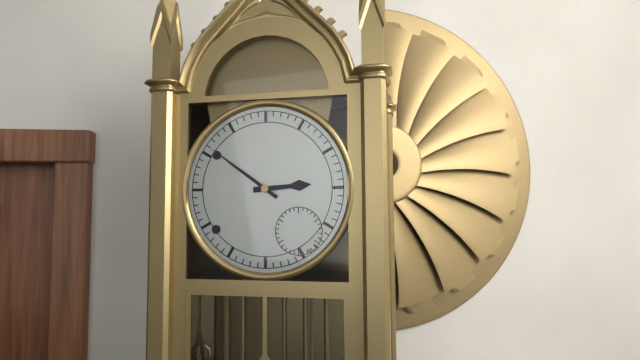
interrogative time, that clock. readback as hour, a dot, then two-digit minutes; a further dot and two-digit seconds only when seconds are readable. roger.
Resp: 2.51
